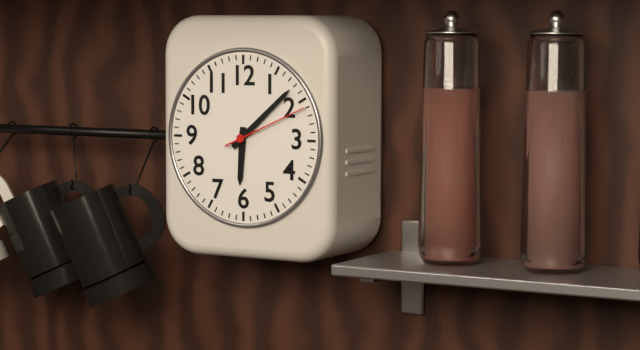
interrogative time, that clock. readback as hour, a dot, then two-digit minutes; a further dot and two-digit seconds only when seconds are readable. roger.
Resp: 6.08.11
